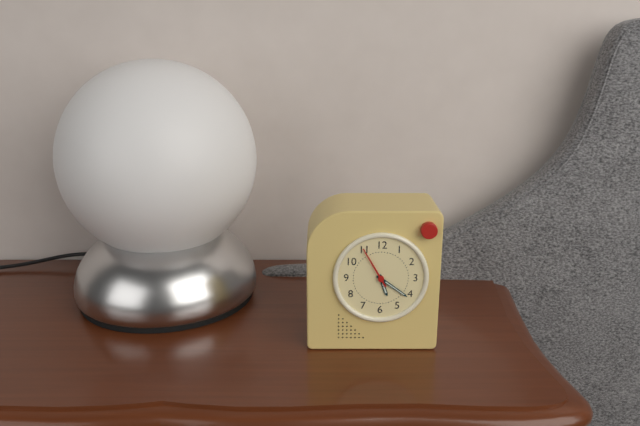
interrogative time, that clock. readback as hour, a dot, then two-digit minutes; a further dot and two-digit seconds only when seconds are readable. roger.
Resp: 5.21
